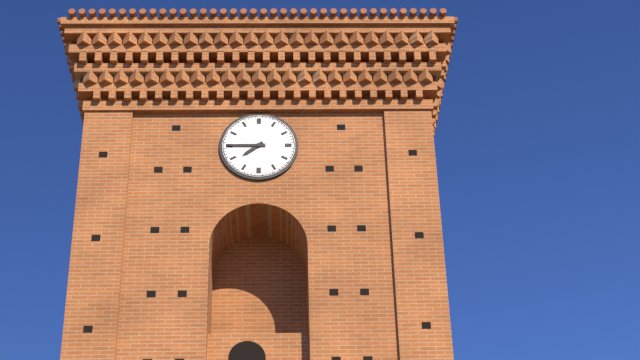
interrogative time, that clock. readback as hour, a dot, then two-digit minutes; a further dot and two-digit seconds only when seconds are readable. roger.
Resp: 7.45
